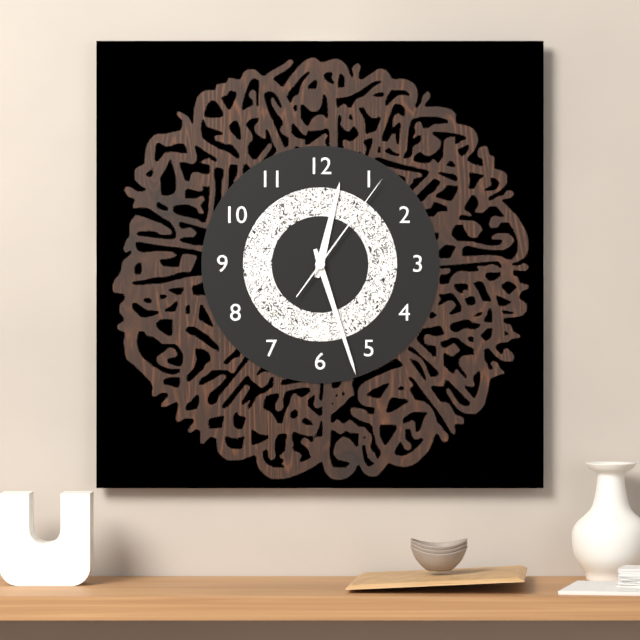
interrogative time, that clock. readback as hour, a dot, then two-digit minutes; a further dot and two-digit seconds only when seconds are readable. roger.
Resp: 12.27.06
